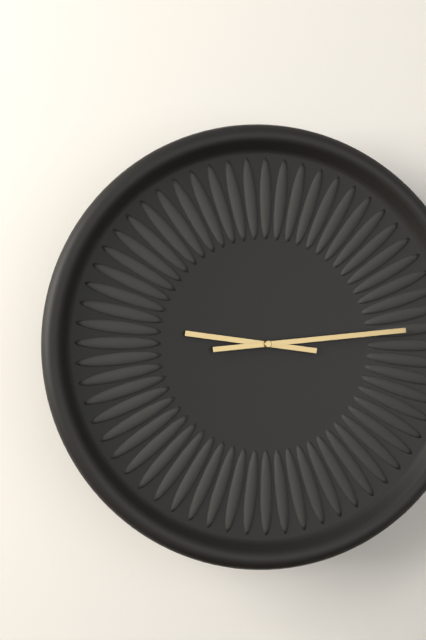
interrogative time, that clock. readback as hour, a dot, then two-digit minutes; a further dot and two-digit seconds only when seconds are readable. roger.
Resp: 9.14
